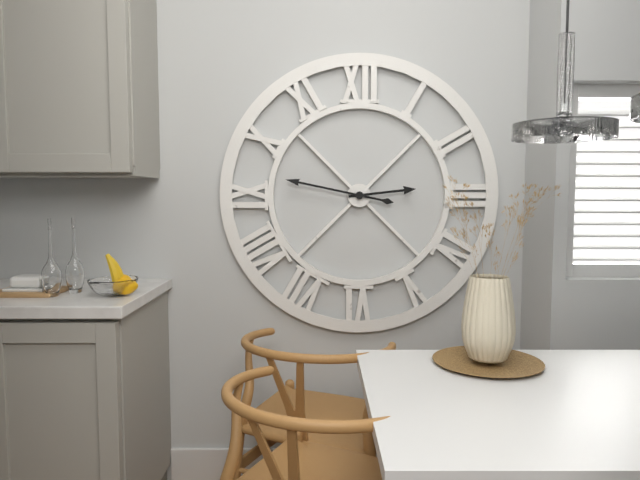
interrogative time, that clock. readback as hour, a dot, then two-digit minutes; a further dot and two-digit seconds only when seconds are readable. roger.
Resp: 2.47
